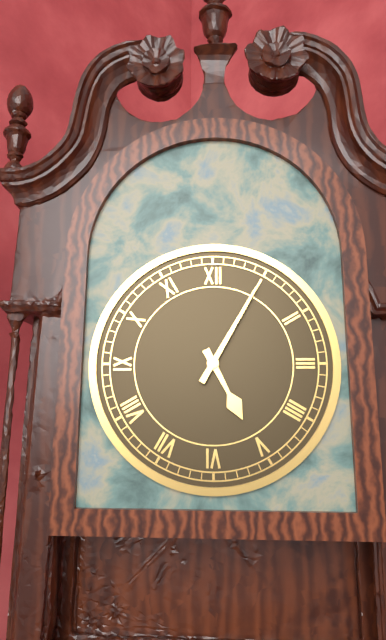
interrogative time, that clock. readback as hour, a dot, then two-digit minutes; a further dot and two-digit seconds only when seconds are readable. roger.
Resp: 5.05
